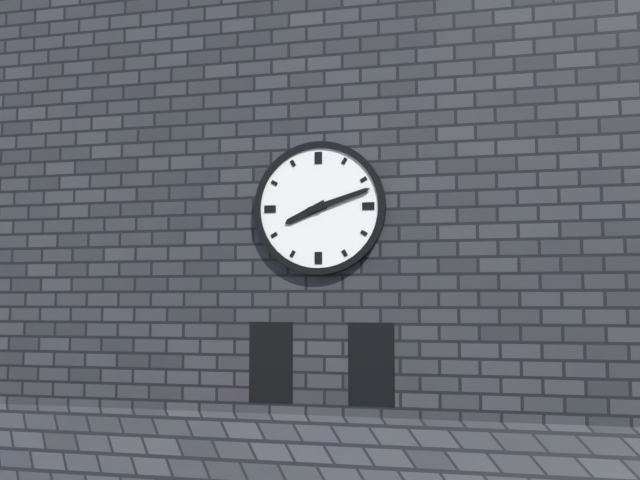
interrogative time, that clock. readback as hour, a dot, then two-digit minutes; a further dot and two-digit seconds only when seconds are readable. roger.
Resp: 8.12
